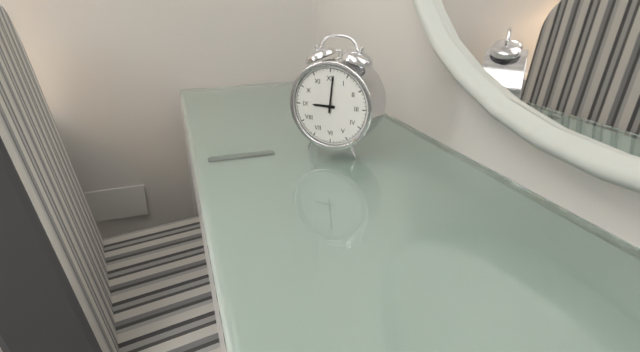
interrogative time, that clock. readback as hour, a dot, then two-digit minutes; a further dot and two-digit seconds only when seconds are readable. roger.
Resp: 9.01
